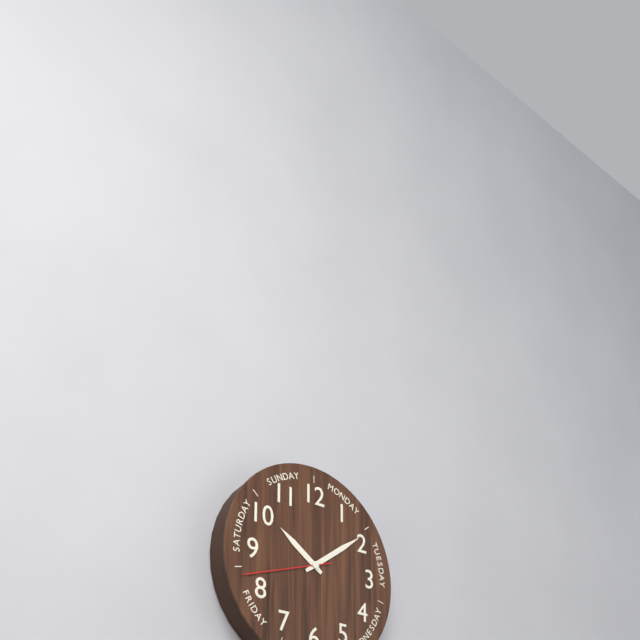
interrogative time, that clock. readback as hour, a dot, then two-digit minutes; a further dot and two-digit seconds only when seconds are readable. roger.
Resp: 10.09.42
